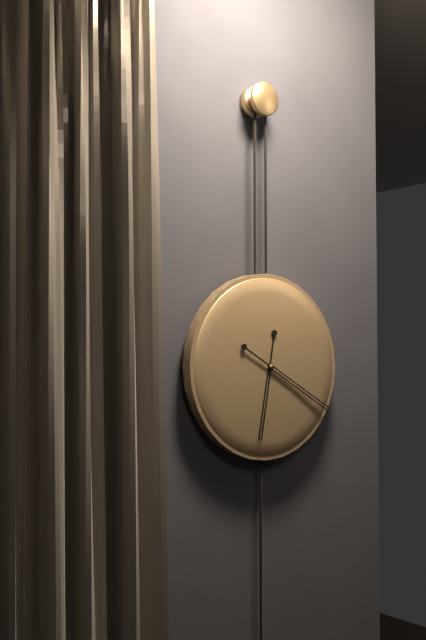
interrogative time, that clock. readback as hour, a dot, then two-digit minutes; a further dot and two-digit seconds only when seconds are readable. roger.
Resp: 6.20
